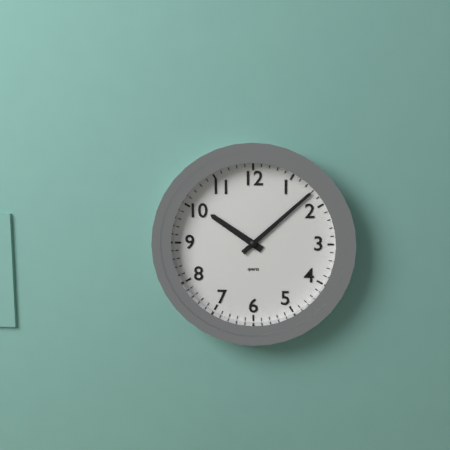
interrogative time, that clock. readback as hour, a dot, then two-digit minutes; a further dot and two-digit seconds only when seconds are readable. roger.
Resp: 10.08
